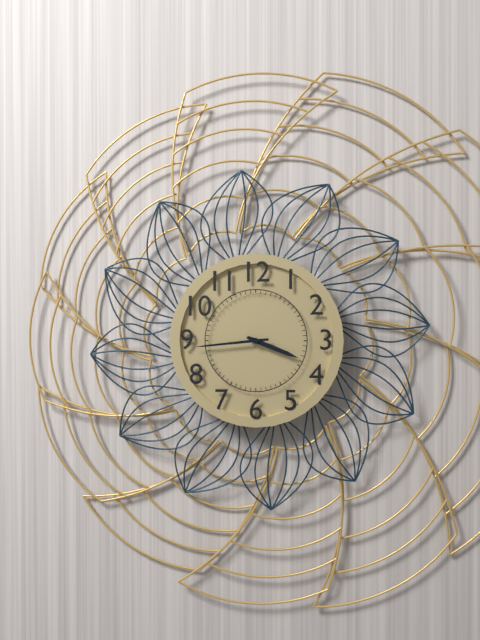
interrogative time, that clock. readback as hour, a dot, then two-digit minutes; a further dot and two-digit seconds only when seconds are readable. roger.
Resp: 3.44
